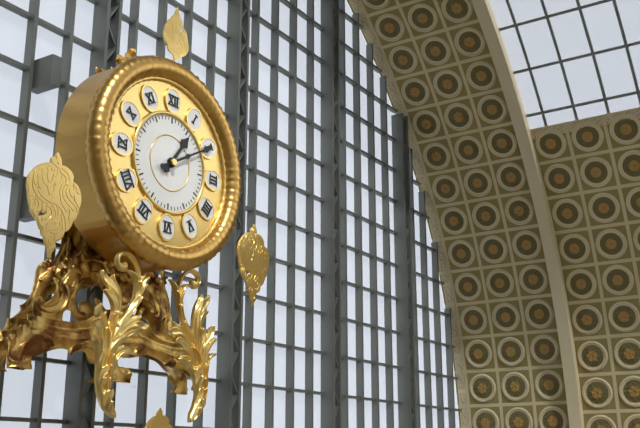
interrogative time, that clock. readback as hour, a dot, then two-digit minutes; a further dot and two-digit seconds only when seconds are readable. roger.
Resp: 1.10
